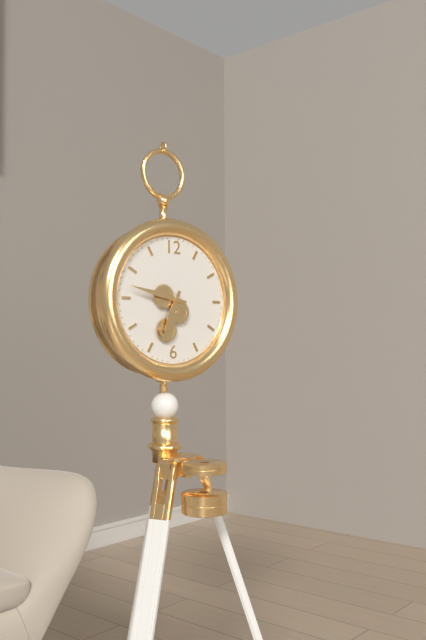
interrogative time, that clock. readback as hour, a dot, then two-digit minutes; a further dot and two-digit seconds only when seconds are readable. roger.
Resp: 6.47
